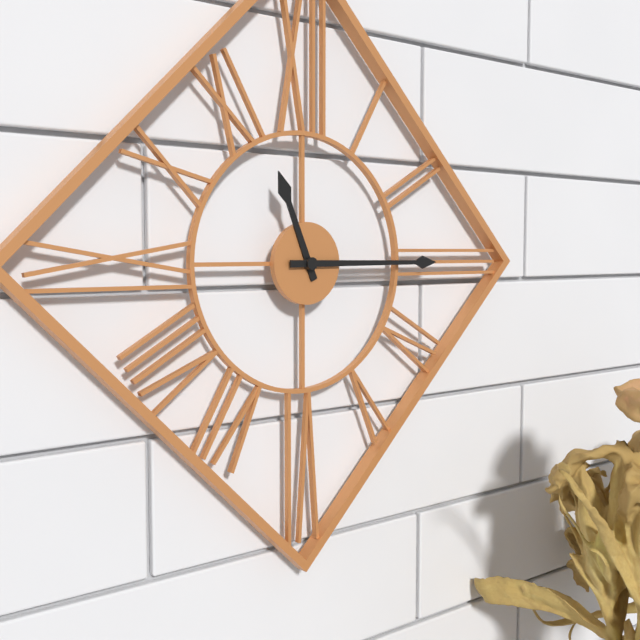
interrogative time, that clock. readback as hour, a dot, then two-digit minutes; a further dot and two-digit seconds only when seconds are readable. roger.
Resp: 11.15
